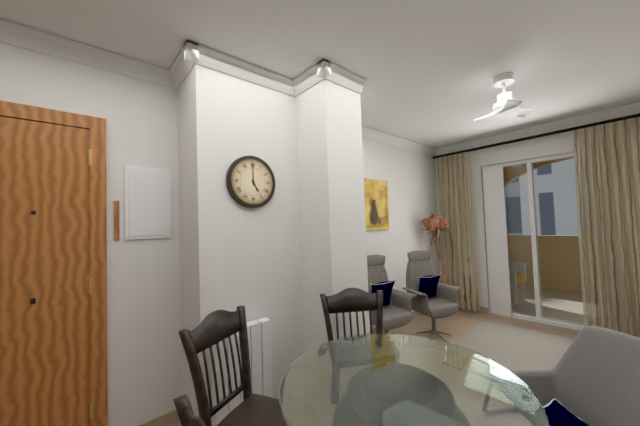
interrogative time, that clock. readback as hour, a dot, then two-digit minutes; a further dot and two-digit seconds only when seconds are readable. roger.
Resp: 5.00
